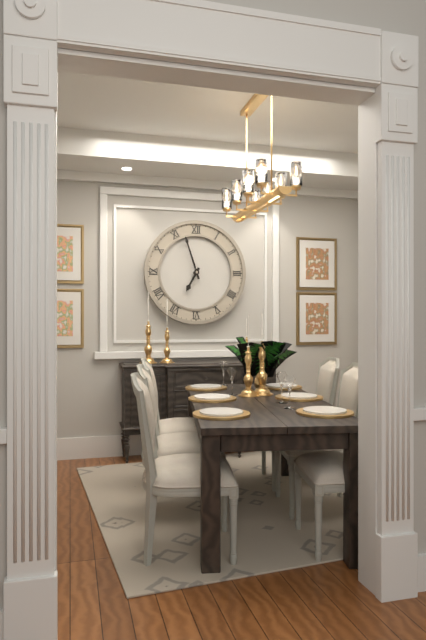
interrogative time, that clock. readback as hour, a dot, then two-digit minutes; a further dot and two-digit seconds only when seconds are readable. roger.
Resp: 6.57
